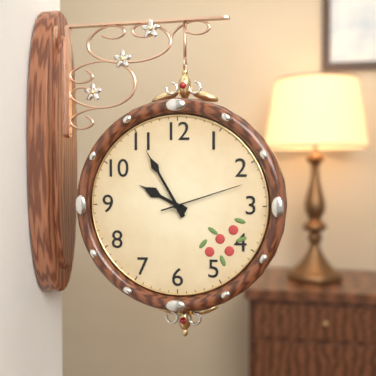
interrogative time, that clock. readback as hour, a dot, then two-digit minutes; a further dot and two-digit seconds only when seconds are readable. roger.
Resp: 9.55.12
